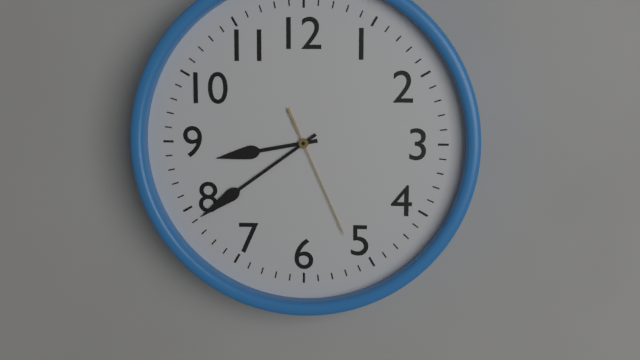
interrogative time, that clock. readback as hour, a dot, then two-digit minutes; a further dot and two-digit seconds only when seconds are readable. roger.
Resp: 8.39.26
